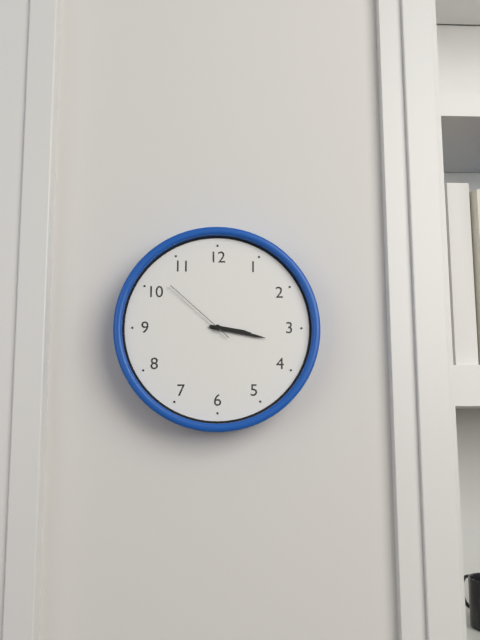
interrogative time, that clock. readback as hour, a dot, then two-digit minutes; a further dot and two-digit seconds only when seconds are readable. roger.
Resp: 3.17.52
